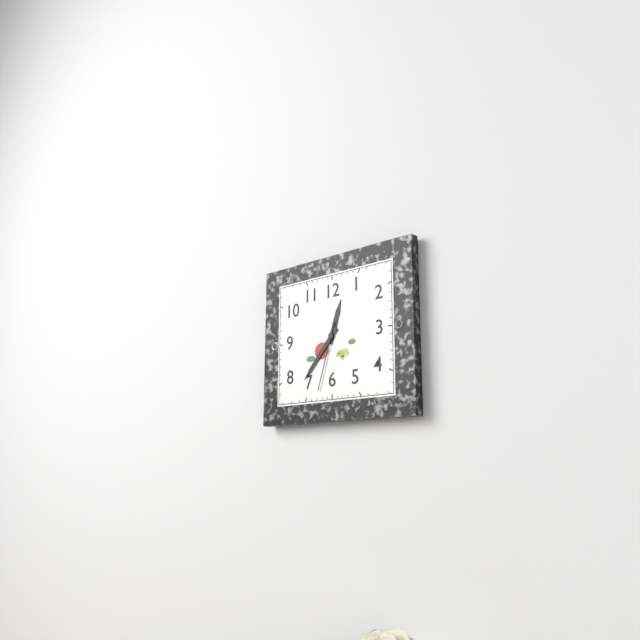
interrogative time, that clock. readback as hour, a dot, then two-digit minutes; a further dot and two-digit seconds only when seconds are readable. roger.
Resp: 12.37.33
